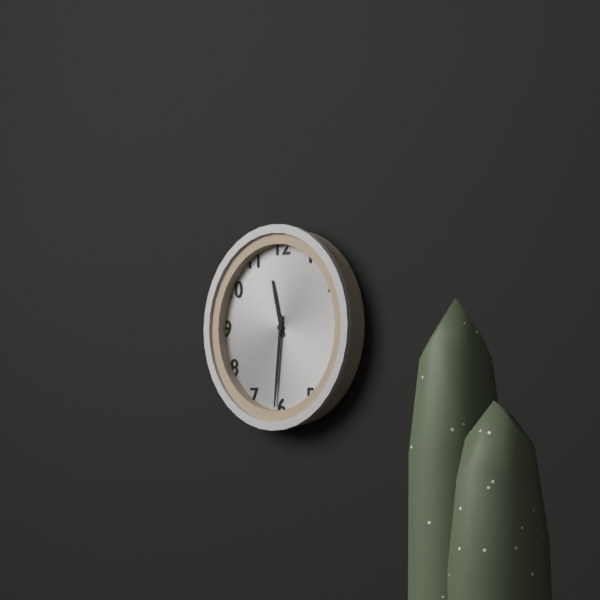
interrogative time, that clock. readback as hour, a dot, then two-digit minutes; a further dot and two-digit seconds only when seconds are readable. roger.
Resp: 11.31
